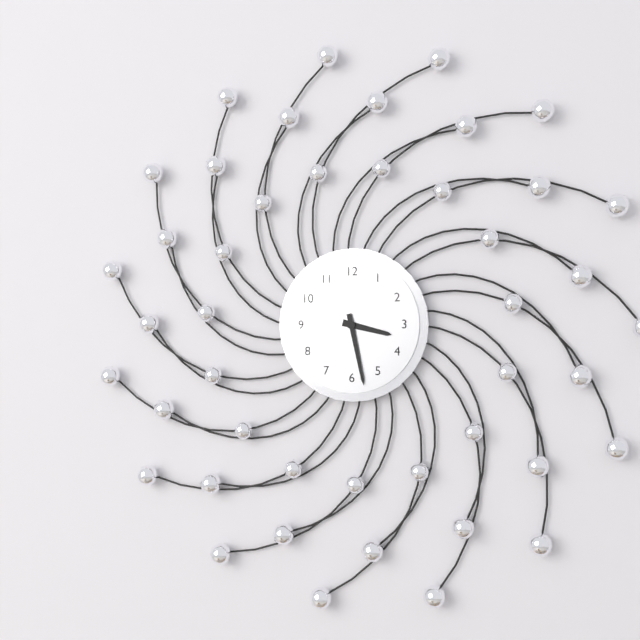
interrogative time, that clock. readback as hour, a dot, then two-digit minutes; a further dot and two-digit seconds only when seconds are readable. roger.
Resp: 3.28
